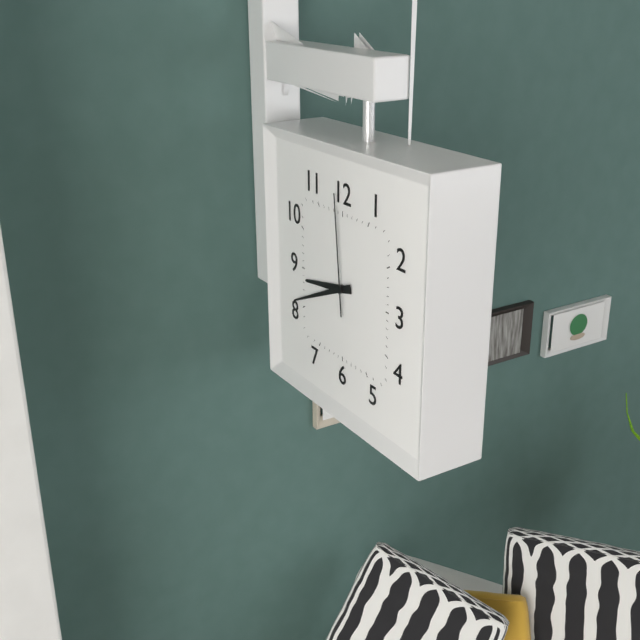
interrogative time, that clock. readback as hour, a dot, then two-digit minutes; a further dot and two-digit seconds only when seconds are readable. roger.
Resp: 8.41.59
